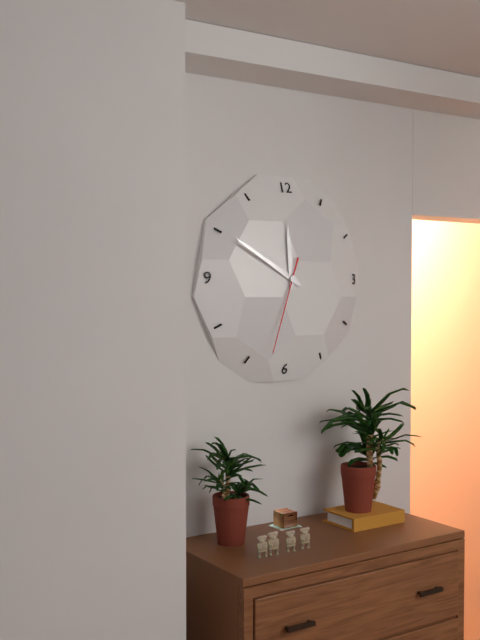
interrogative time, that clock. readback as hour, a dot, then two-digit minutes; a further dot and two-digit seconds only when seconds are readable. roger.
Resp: 11.50.33
